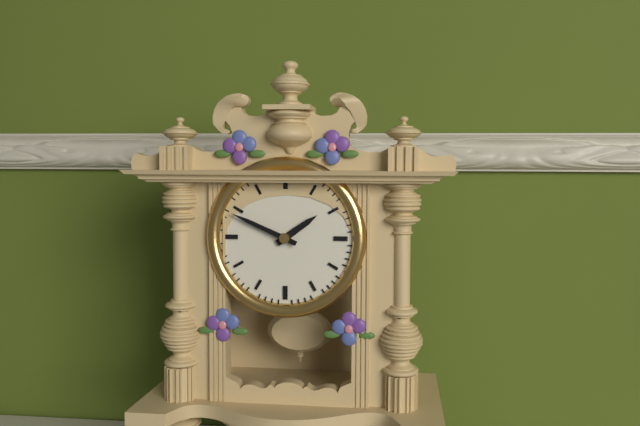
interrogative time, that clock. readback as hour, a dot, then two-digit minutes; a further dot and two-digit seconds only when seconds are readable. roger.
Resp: 1.49
